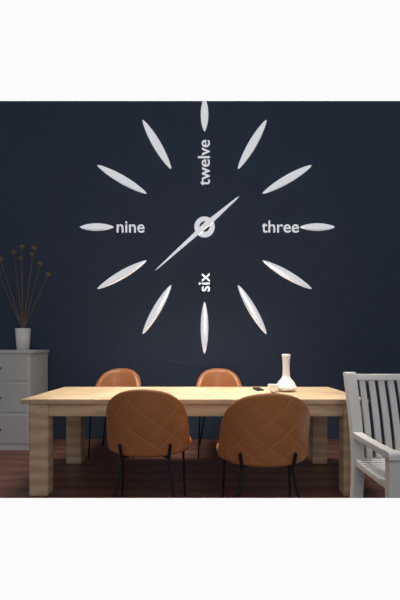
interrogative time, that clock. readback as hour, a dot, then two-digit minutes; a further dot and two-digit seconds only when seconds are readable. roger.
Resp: 1.38
